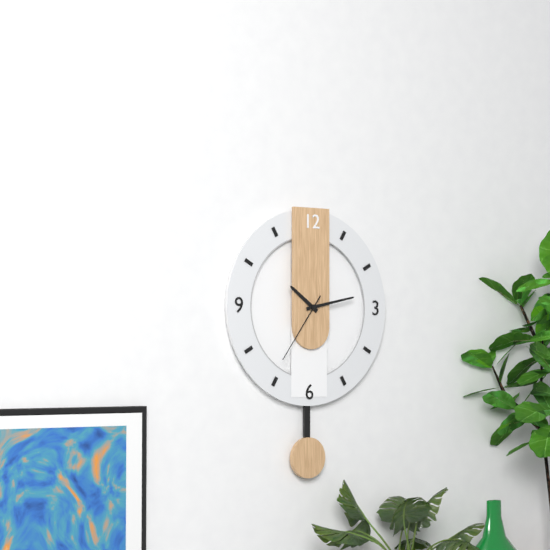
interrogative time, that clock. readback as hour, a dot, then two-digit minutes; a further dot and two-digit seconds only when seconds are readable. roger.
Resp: 10.13.36
